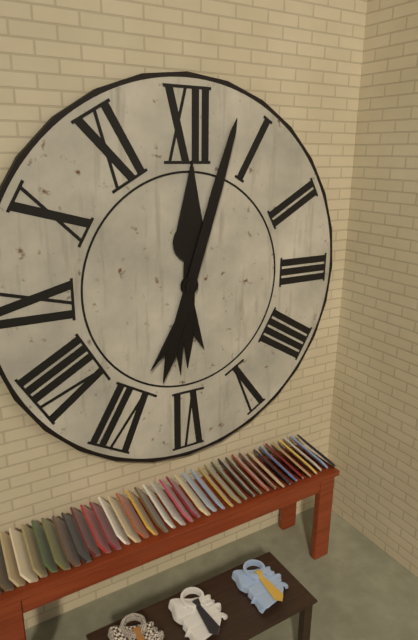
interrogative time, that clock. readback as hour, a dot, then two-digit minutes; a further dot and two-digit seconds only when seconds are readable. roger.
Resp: 12.03
